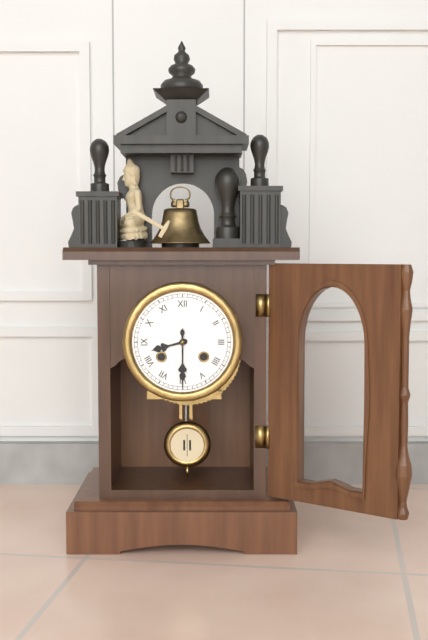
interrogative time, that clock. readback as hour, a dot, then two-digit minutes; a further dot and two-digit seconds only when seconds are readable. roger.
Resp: 8.30
